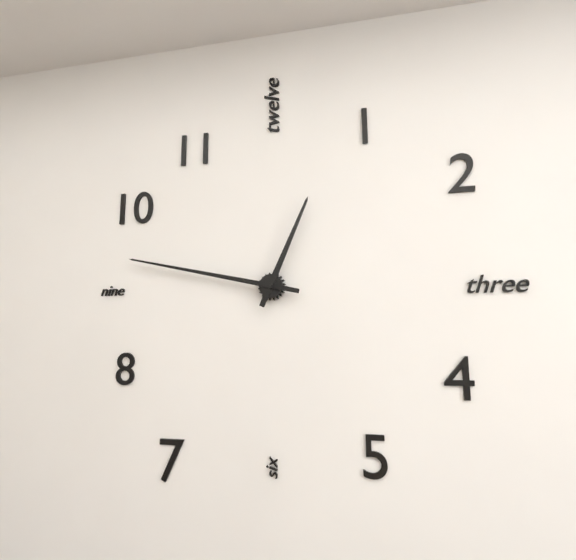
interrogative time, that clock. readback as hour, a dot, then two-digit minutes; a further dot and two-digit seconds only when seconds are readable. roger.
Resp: 12.47
